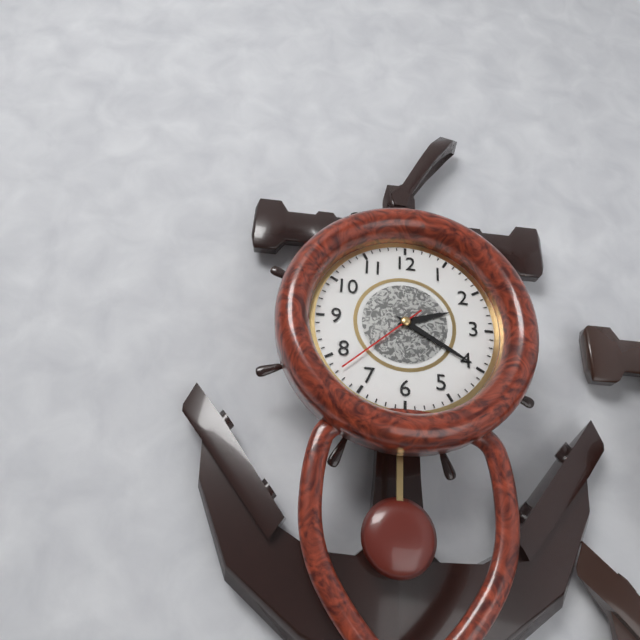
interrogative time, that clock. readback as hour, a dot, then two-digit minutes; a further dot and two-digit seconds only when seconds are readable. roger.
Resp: 2.20.38
